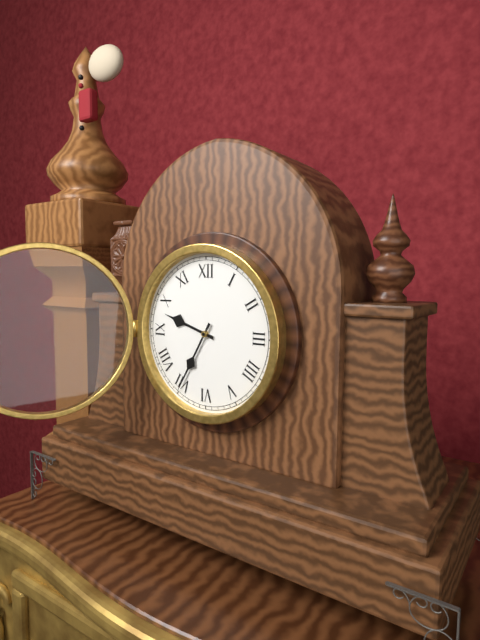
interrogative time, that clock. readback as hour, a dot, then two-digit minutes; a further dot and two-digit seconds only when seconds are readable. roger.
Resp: 9.35
